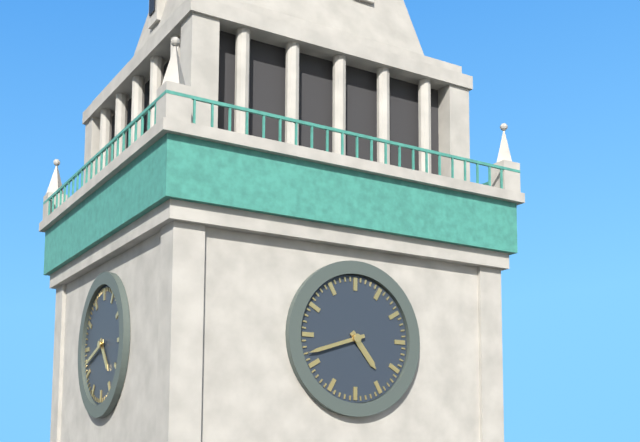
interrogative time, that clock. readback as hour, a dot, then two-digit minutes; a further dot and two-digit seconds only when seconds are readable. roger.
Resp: 4.42
